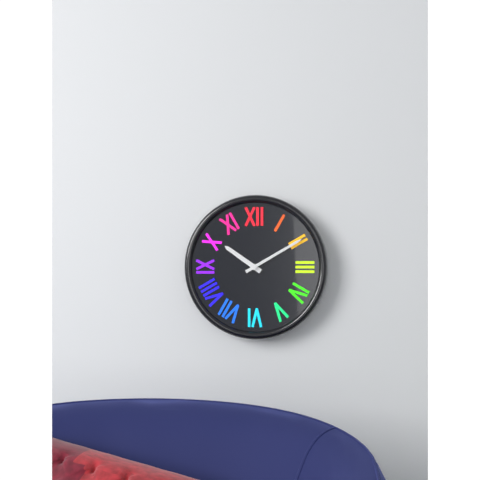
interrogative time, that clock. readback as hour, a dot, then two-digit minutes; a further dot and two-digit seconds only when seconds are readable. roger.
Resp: 10.10
